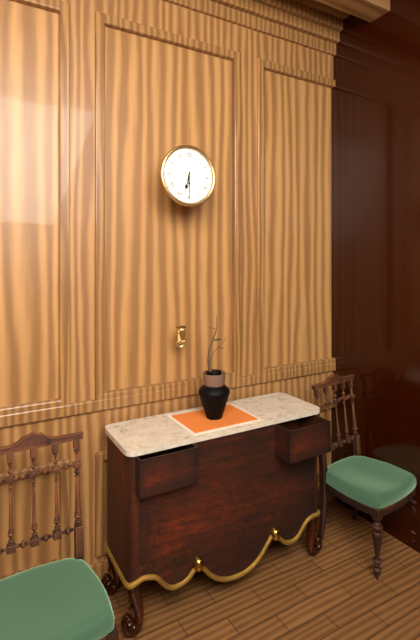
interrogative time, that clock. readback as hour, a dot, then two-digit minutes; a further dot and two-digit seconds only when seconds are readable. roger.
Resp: 6.30
